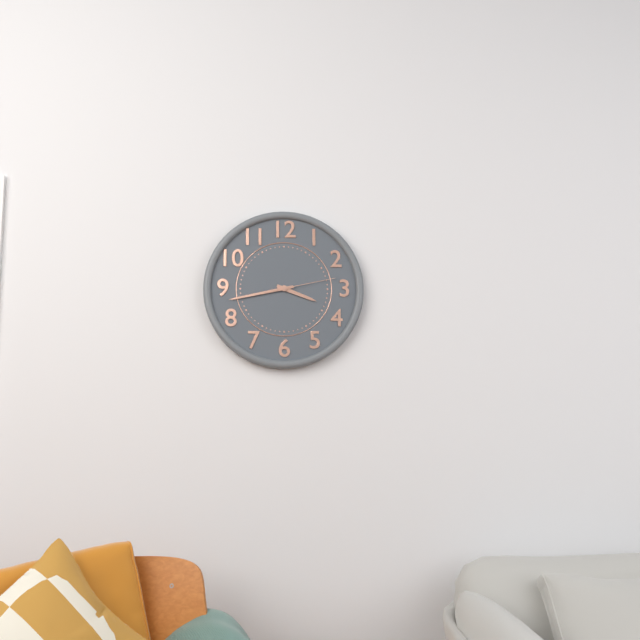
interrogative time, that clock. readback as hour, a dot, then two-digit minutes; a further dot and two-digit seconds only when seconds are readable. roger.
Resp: 3.43.13
